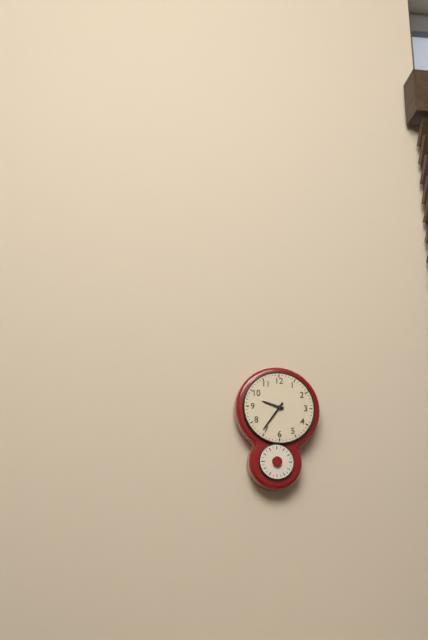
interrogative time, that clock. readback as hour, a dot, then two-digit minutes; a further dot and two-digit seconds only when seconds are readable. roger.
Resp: 9.36
